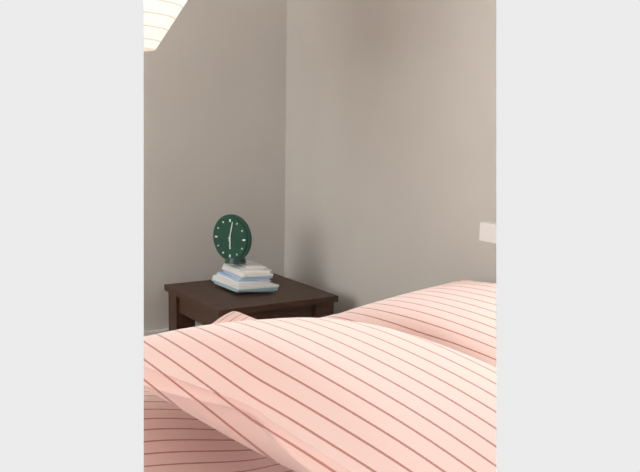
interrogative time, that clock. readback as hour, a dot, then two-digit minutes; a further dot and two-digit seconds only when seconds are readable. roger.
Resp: 6.02
